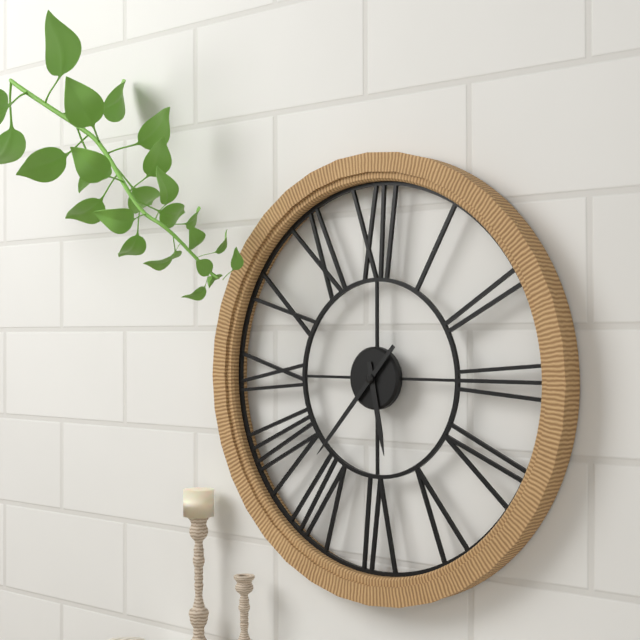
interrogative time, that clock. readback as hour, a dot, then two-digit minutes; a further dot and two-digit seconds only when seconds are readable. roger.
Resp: 5.37
